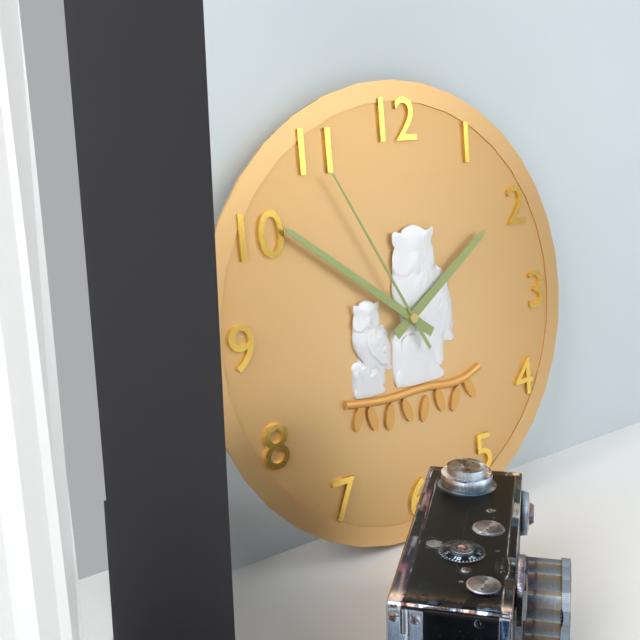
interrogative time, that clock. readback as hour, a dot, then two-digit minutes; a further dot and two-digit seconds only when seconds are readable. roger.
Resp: 1.51.55
